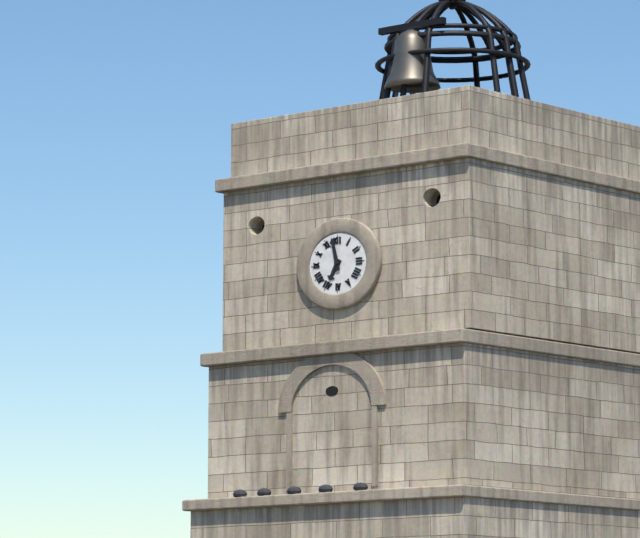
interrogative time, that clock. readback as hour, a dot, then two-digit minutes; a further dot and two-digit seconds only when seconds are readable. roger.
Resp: 6.58
